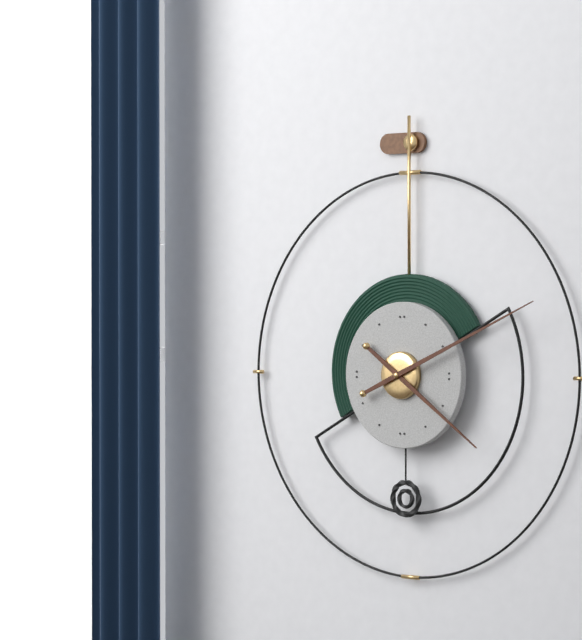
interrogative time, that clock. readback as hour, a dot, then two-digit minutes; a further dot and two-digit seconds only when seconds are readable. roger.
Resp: 4.11
